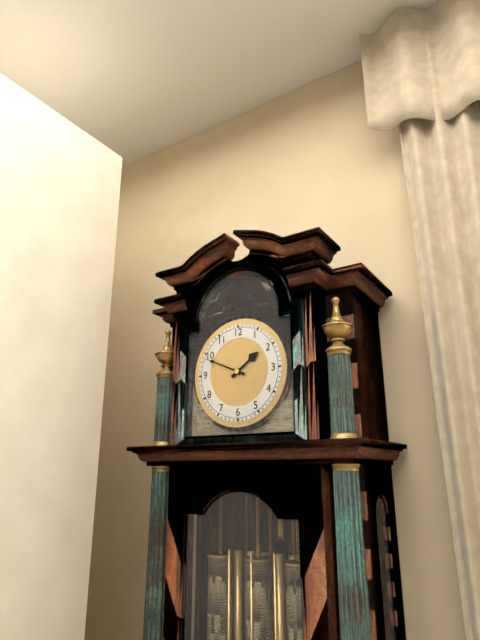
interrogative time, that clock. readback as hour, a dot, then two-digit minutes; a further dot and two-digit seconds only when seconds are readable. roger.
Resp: 1.49
